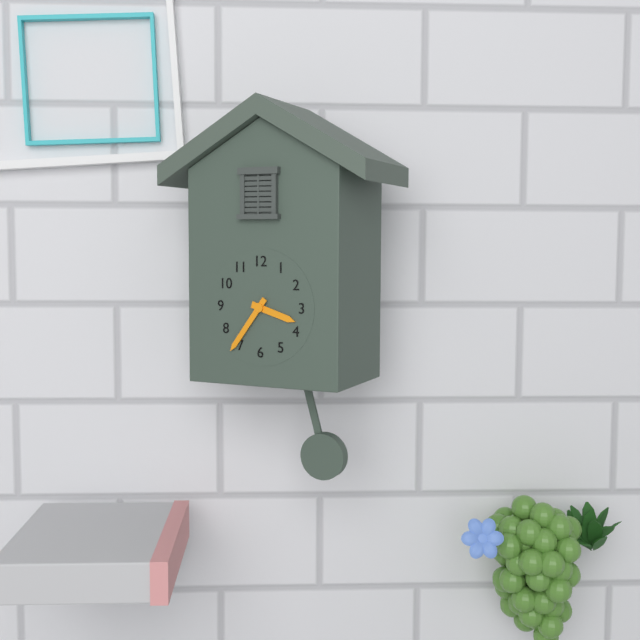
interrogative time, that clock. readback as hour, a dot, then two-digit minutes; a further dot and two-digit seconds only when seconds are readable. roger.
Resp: 3.36
